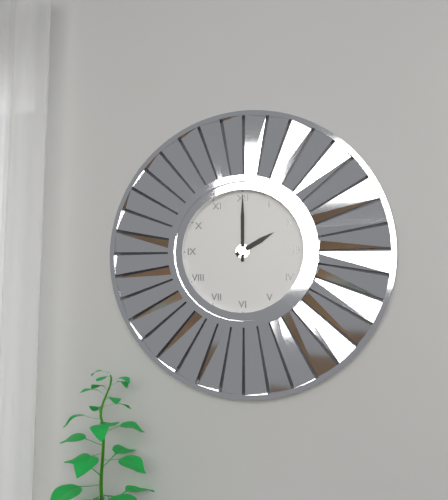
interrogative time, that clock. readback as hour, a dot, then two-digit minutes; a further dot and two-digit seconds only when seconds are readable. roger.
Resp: 2.00
